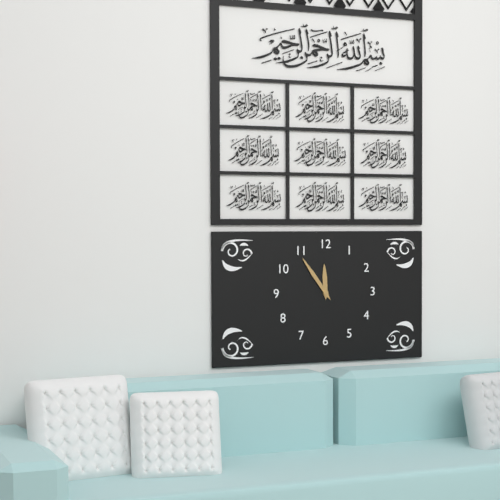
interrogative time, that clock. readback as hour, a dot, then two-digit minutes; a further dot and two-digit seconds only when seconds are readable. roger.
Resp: 11.54
